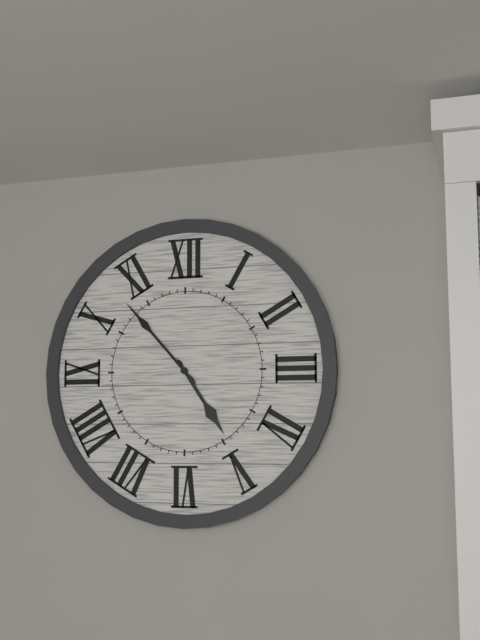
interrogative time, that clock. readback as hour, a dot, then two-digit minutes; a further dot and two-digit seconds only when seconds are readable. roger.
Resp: 4.53
